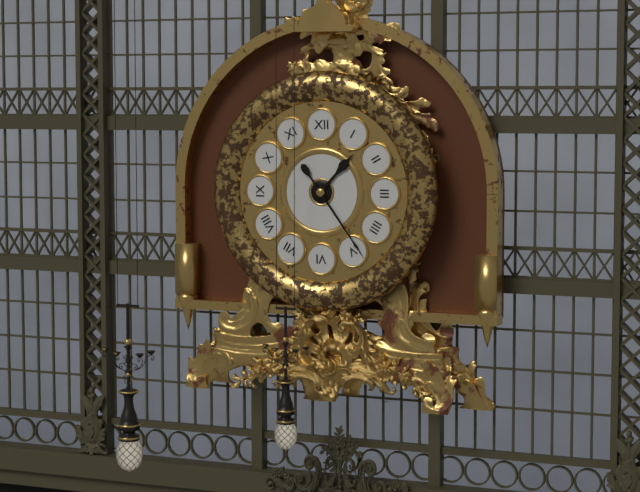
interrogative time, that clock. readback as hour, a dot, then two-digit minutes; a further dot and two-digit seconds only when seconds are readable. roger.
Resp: 1.24
